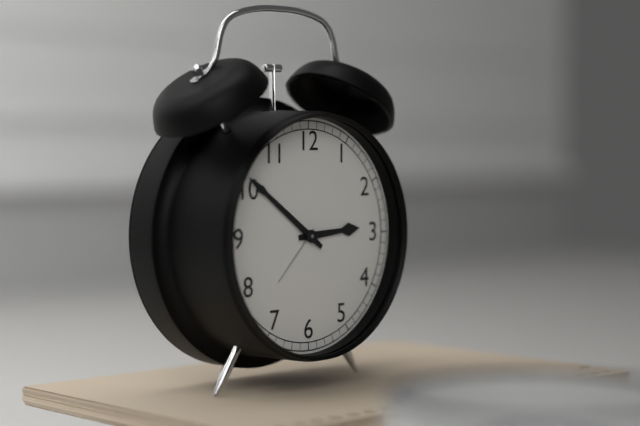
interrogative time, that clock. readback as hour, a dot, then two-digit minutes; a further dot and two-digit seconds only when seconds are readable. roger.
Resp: 2.51
